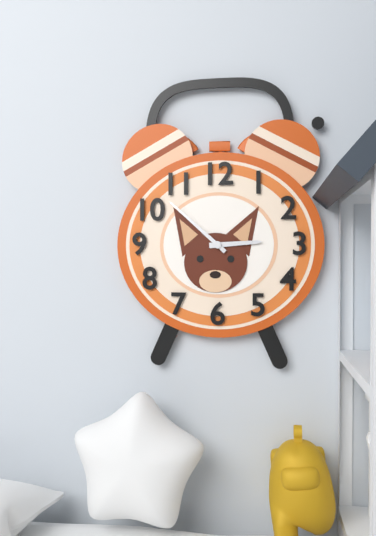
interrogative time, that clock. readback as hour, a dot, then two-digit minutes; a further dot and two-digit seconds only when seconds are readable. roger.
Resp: 2.52
